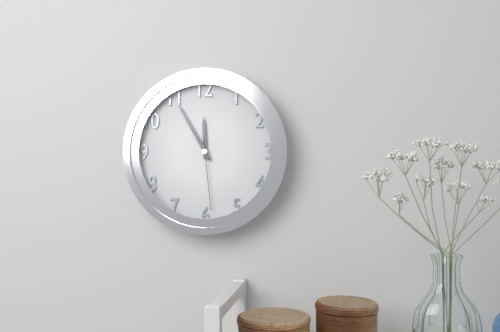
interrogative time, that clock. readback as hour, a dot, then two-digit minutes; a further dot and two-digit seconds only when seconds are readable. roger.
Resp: 11.55.29
